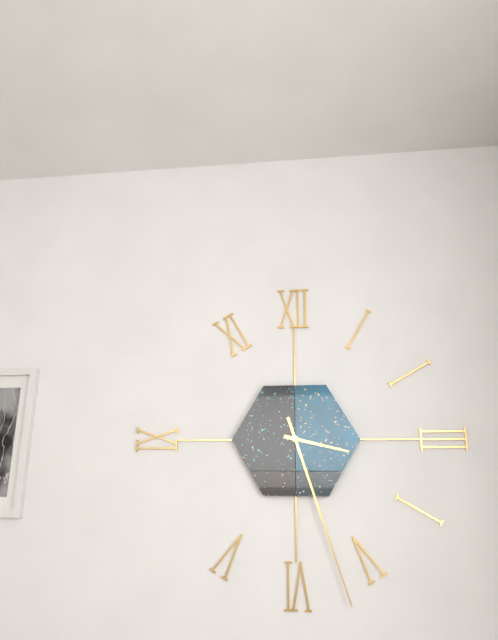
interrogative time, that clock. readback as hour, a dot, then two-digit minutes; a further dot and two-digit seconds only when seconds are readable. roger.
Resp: 3.27
